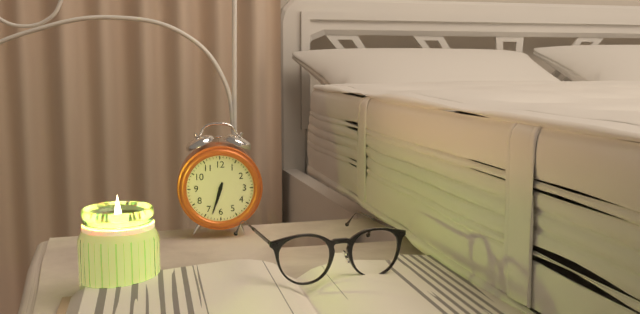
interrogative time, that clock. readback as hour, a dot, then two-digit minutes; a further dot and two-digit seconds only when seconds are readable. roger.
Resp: 6.33
